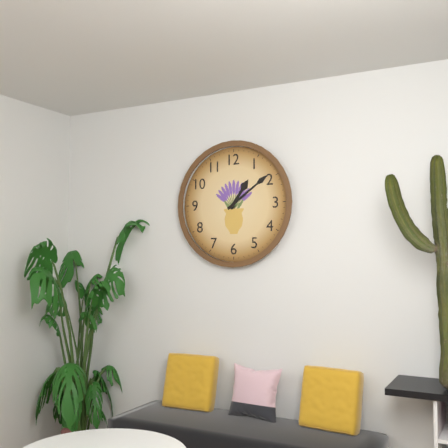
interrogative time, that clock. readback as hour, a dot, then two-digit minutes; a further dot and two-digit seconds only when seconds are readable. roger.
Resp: 1.09
